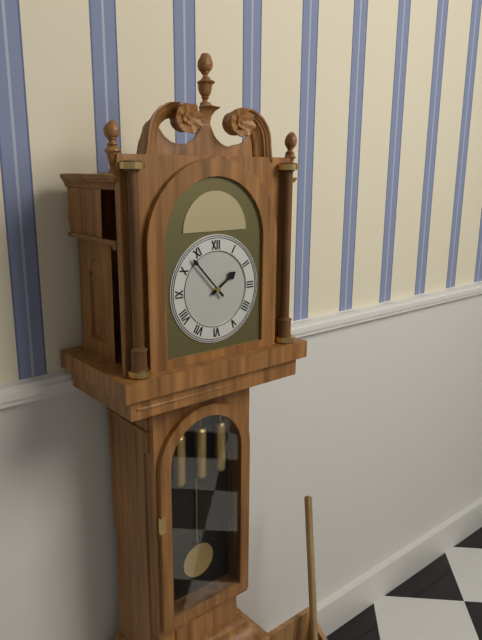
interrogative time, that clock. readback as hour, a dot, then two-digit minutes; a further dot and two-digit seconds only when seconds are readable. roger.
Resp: 1.53
